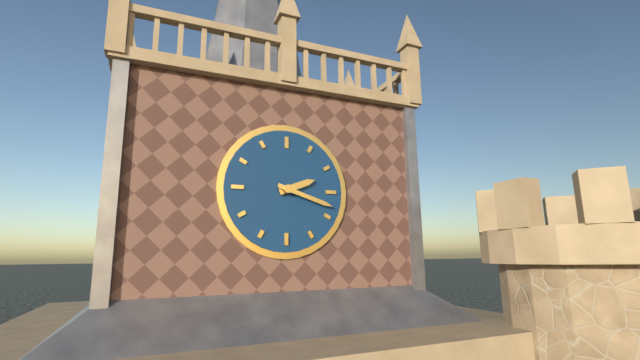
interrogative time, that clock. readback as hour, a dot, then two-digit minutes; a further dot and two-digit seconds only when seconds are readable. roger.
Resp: 2.18
